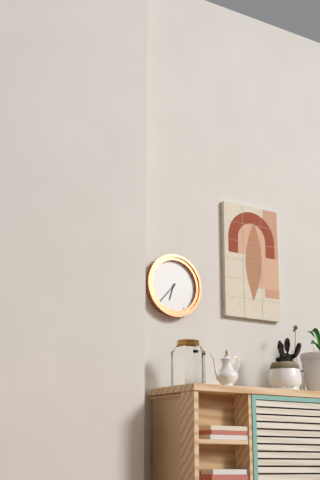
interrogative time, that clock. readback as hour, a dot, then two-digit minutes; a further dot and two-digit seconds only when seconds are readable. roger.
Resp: 6.37
